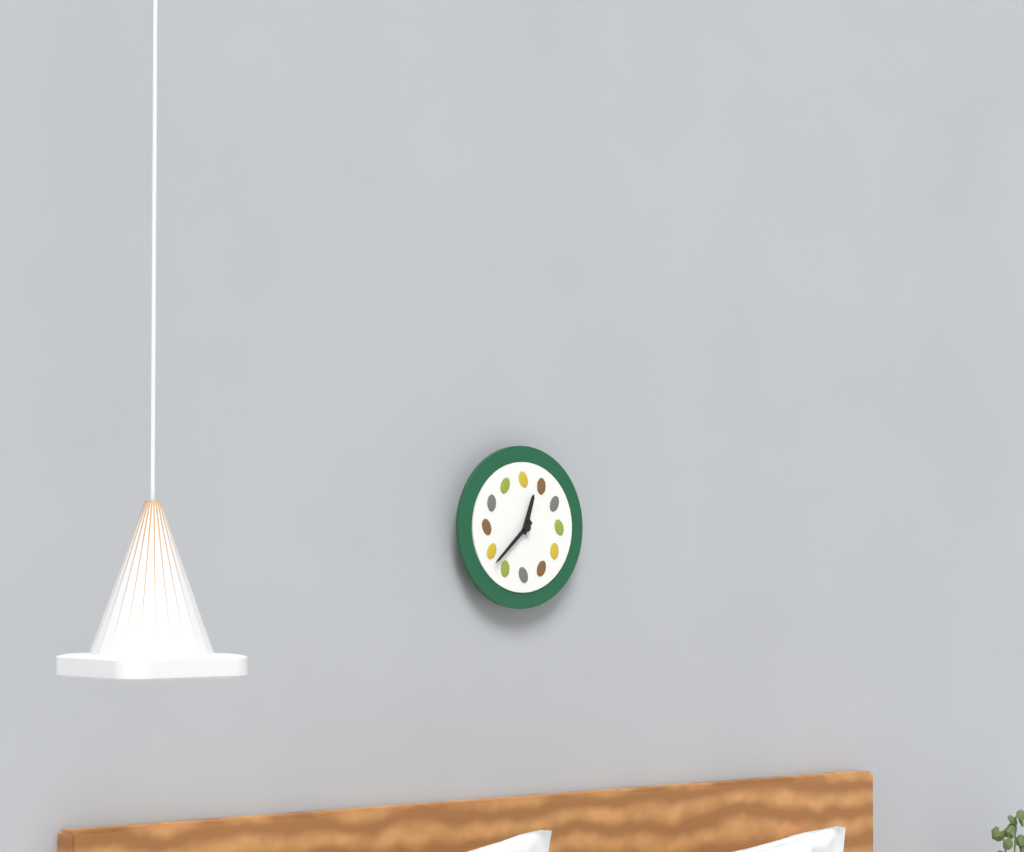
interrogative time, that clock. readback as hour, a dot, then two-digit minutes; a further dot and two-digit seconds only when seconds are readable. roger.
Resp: 12.38
